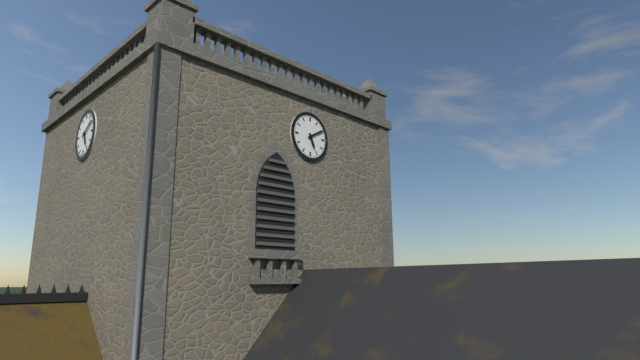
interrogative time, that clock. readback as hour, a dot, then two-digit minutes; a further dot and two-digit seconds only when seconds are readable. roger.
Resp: 5.10
